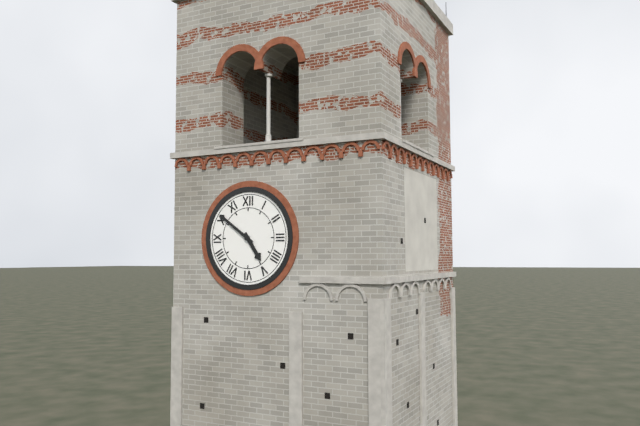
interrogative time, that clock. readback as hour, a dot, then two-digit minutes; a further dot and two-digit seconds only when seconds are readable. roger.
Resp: 4.51
